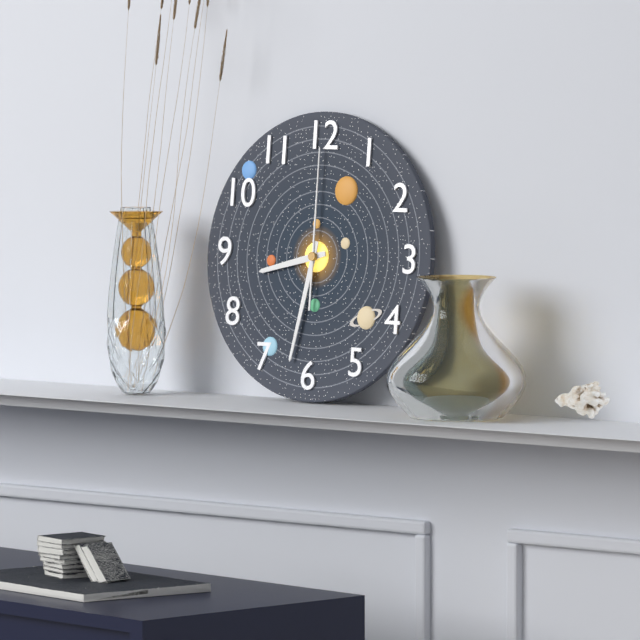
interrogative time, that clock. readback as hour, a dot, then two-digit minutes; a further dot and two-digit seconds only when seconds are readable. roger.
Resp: 8.32.00
